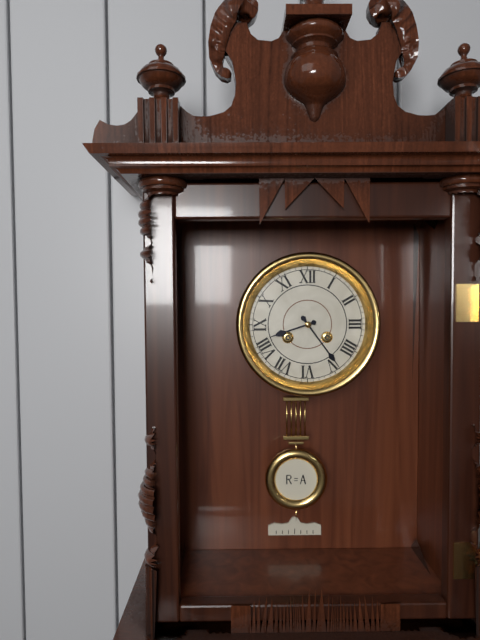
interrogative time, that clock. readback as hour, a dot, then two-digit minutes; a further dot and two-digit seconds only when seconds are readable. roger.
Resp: 8.24
